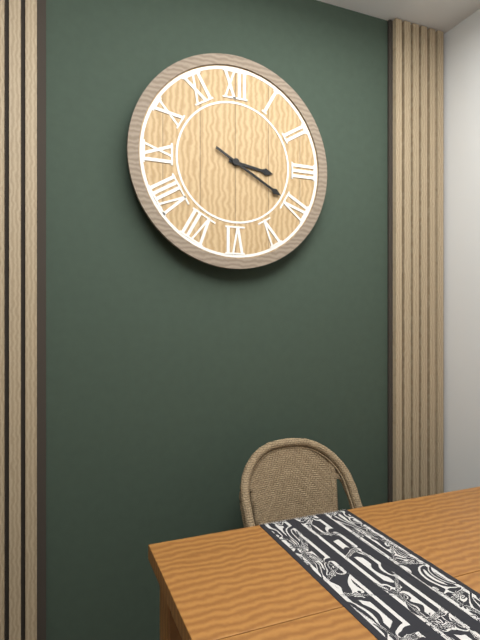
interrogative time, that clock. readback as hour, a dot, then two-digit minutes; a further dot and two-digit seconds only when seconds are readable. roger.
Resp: 3.20
